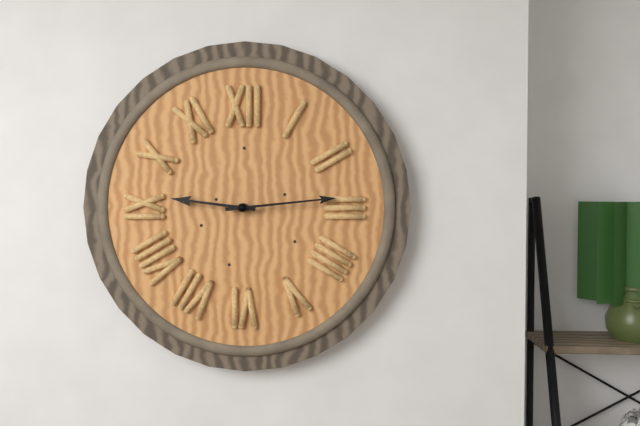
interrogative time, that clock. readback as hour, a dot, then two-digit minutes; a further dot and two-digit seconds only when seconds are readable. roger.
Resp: 9.14
